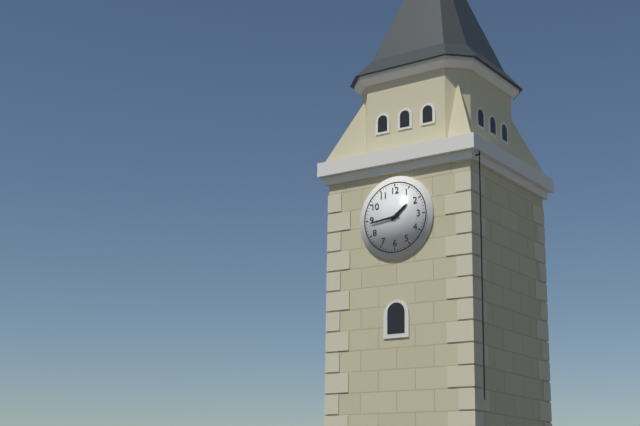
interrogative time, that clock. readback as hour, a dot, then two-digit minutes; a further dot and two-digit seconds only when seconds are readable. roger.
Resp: 1.44
